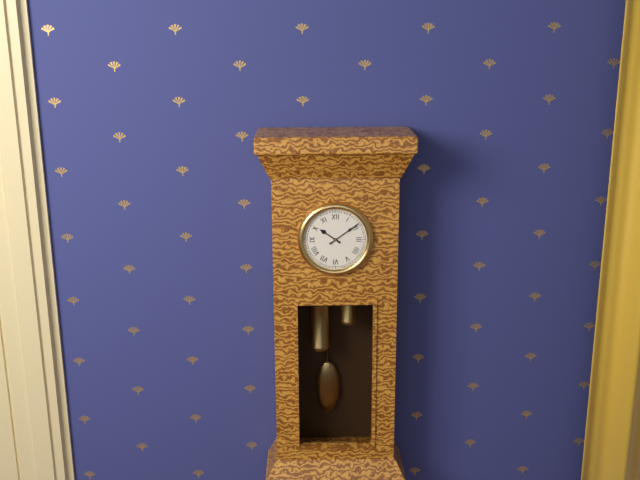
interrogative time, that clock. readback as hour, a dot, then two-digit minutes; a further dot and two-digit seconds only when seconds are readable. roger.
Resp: 10.09
